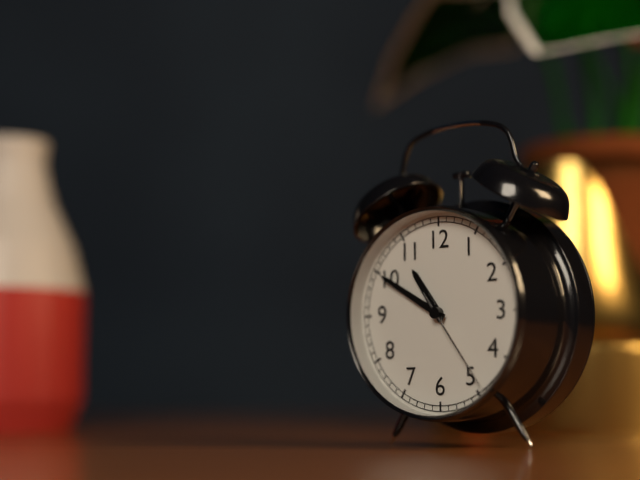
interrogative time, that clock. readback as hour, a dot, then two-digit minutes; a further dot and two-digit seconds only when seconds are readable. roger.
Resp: 10.50.24
